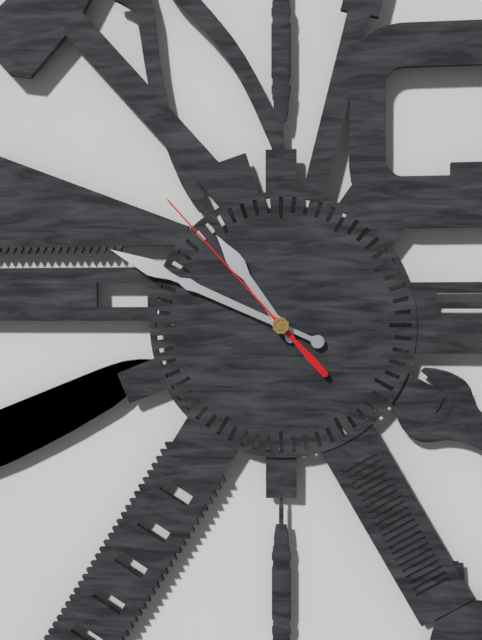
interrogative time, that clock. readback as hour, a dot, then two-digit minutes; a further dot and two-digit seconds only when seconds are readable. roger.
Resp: 10.49.53
